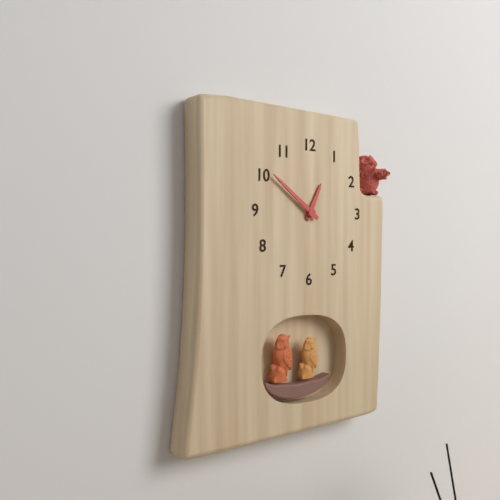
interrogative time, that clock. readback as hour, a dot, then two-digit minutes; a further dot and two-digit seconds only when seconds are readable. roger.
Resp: 12.51
